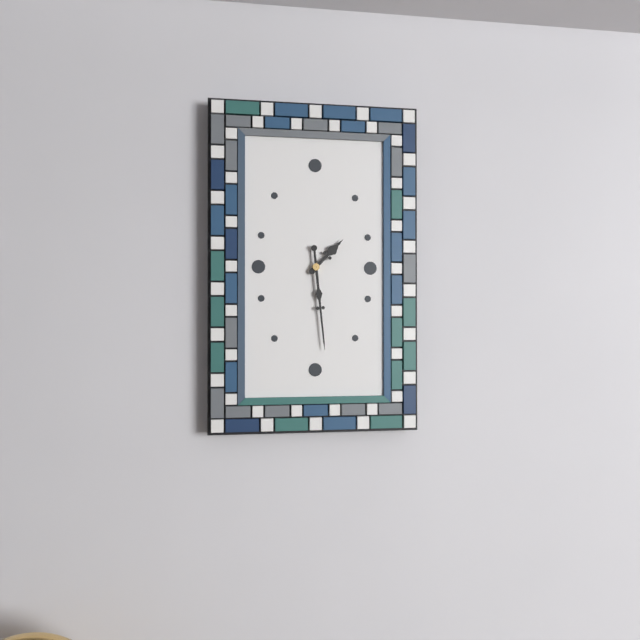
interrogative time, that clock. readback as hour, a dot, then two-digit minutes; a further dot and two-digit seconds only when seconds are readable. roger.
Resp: 1.29
